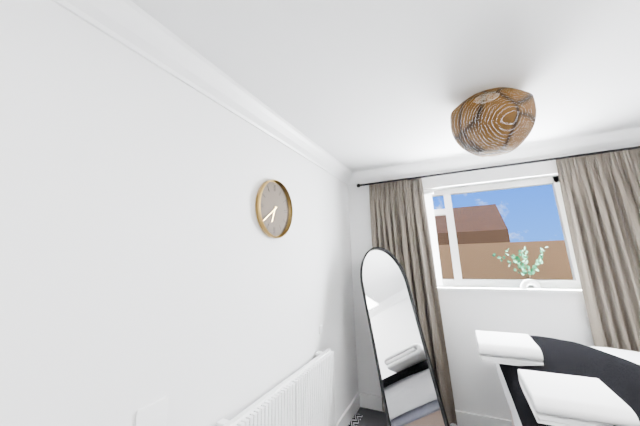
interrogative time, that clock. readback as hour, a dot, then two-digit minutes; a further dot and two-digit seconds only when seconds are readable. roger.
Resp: 6.39
